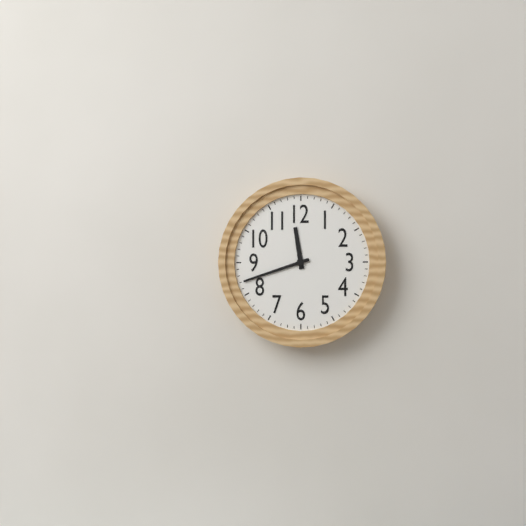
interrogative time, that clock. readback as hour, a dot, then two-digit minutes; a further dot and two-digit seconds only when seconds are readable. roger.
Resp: 11.42
